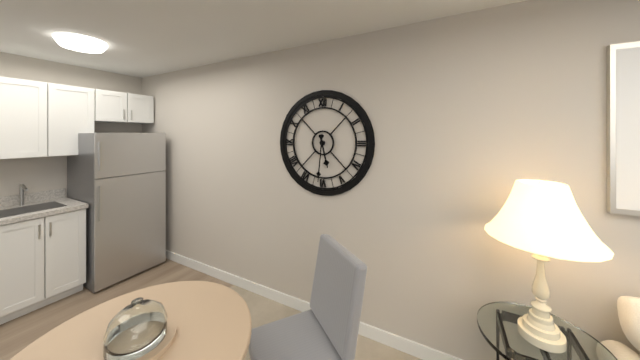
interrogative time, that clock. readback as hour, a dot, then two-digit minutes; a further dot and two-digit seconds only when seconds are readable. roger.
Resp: 5.31
